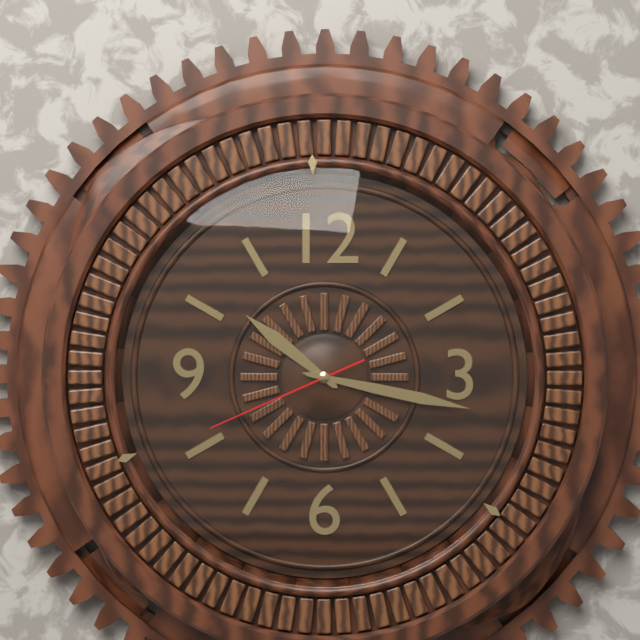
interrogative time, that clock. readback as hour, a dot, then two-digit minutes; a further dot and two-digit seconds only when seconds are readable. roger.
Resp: 10.17.41
